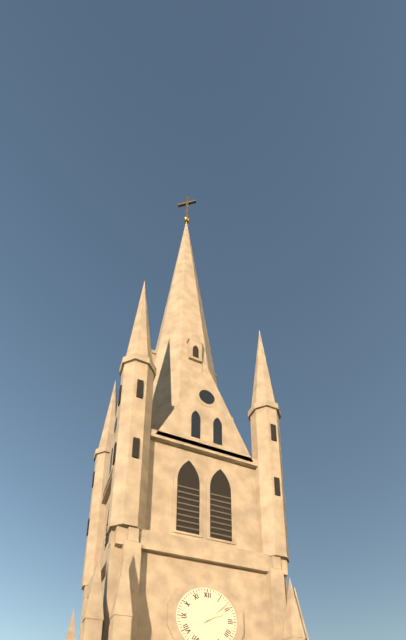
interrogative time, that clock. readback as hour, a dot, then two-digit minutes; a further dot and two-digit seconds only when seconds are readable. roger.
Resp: 2.08
